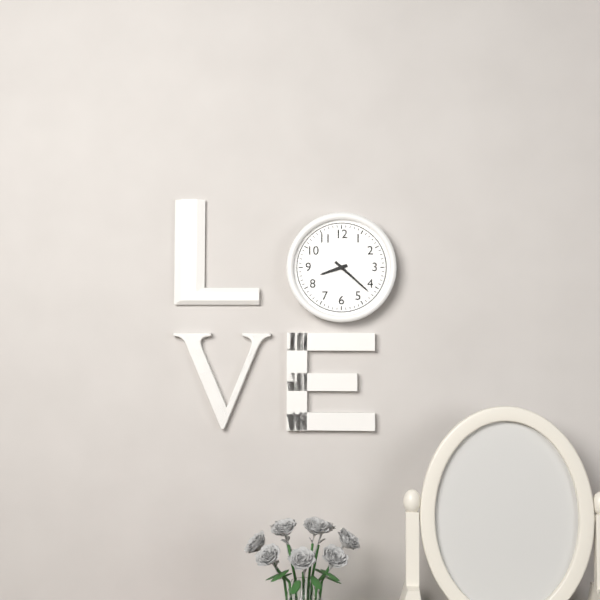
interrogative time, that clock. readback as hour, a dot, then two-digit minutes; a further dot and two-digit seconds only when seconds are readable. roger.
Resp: 8.22
